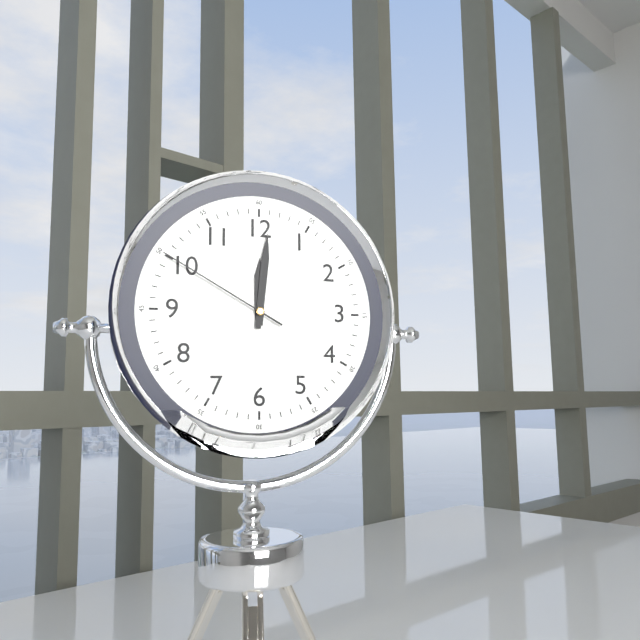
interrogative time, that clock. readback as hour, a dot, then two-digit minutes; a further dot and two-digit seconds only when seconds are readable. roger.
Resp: 12.01.50
